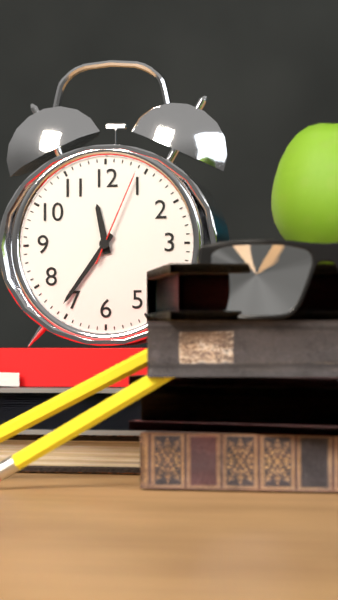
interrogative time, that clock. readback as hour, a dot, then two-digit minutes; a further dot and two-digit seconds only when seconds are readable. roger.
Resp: 11.36.04
